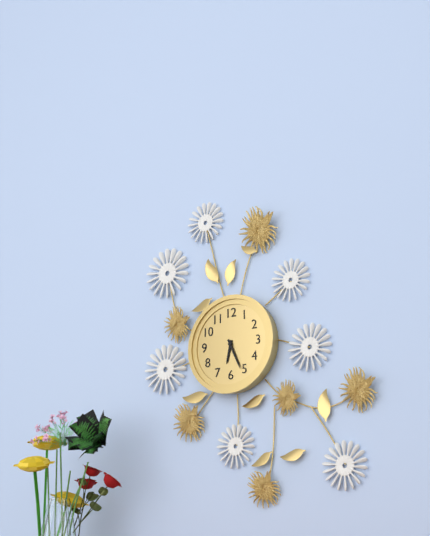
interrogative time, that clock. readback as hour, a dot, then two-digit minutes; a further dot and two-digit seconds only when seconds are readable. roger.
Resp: 6.26
